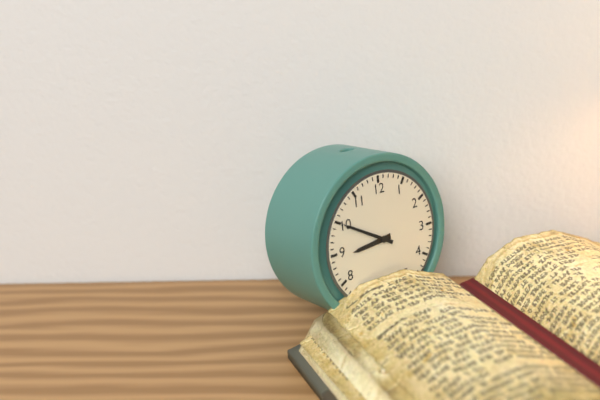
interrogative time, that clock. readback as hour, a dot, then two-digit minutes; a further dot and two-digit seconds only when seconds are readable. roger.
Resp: 8.50
